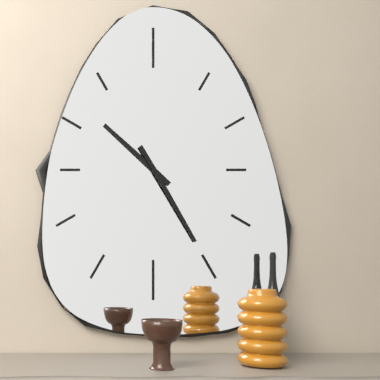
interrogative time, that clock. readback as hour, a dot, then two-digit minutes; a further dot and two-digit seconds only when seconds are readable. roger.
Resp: 10.25
